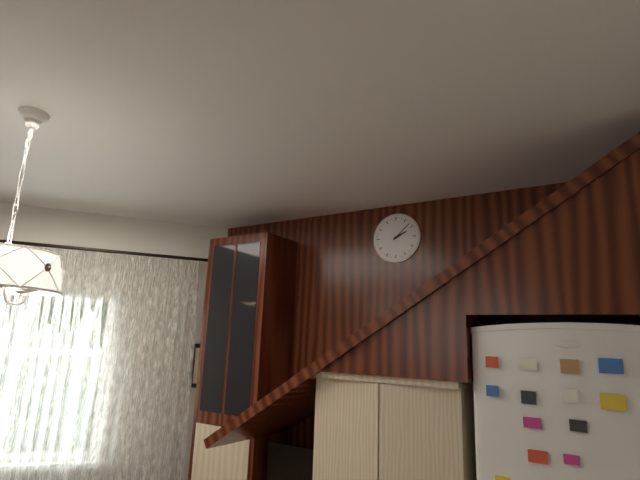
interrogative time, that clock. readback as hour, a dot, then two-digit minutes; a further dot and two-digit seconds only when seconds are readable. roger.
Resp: 2.08
